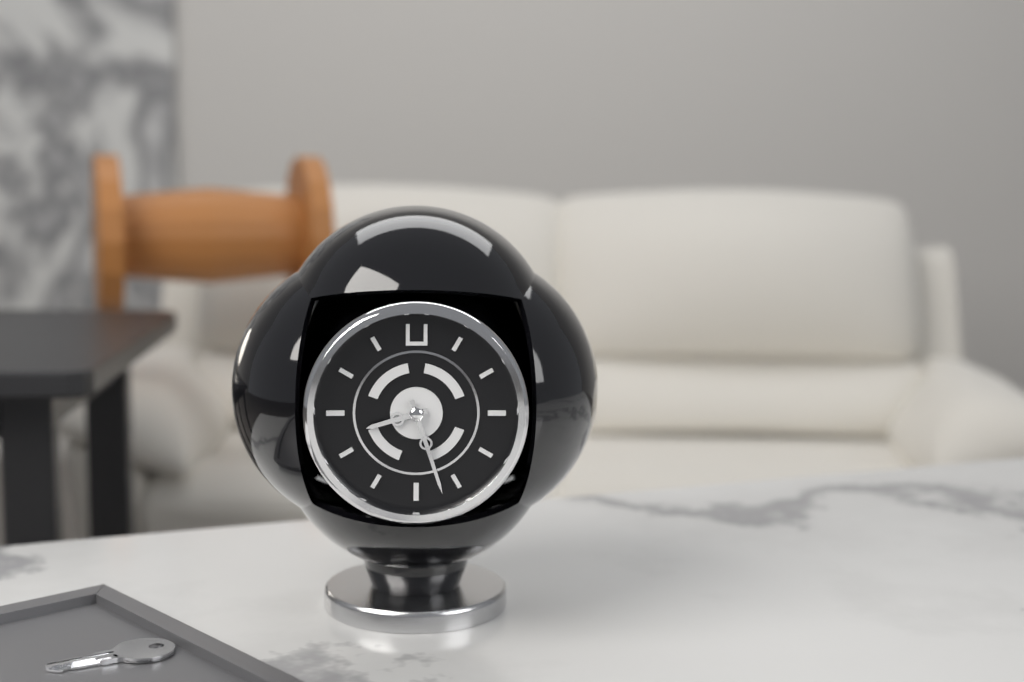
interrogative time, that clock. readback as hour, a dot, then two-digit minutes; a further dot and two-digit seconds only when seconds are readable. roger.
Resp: 8.27
